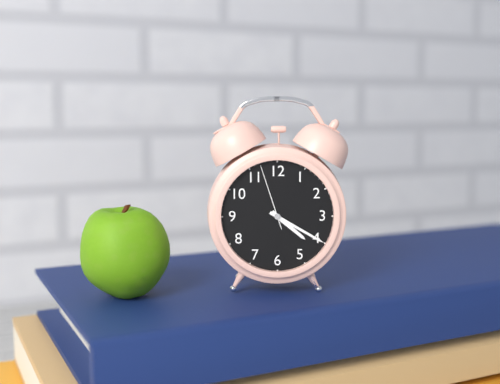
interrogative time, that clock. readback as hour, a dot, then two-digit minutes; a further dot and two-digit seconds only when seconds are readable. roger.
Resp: 4.20.57
